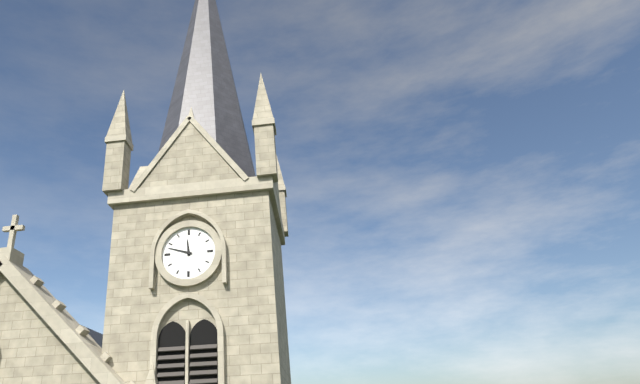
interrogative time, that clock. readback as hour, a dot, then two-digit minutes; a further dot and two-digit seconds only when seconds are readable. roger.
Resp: 11.48
